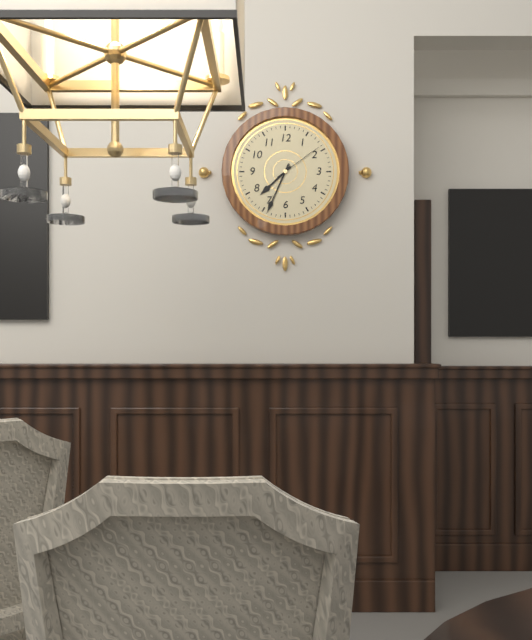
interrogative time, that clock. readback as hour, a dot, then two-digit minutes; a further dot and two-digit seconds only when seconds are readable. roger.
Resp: 7.34.09
